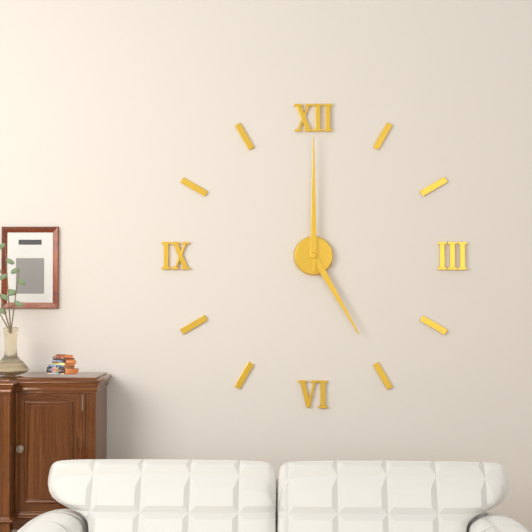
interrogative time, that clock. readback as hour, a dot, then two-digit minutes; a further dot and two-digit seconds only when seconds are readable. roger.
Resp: 5.00
